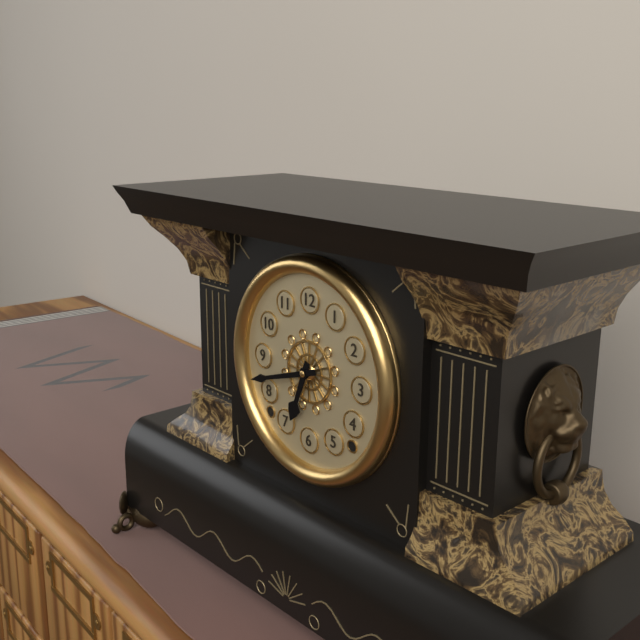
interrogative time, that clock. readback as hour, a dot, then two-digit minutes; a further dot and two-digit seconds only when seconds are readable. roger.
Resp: 6.42
